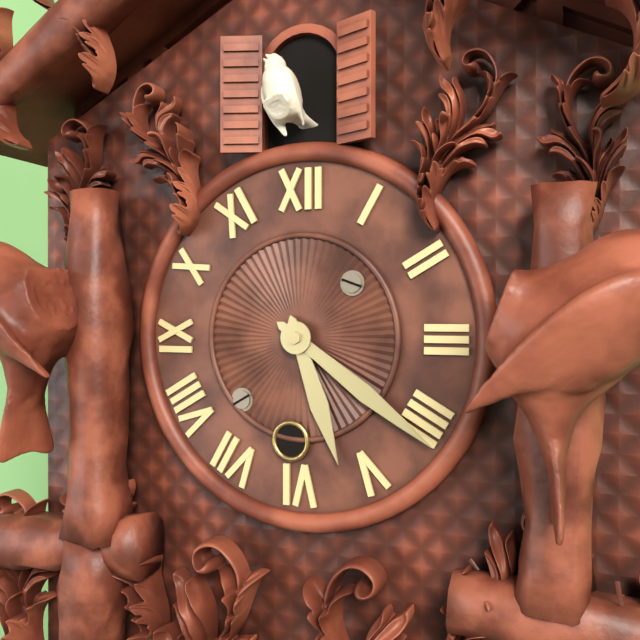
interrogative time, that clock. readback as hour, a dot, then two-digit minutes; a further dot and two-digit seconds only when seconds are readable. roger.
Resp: 5.21
